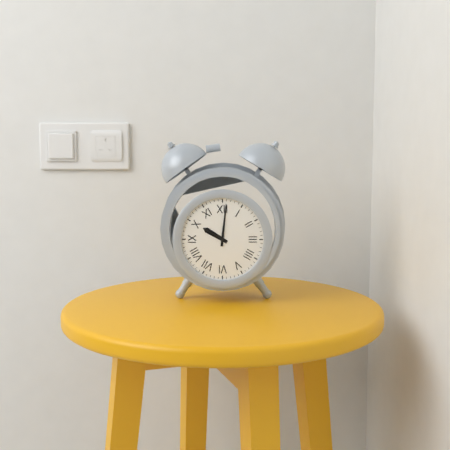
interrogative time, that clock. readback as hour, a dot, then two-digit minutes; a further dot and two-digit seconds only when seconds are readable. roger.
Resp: 10.01
